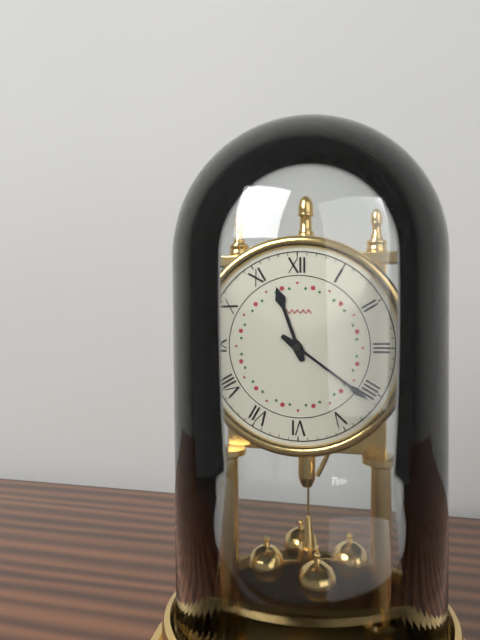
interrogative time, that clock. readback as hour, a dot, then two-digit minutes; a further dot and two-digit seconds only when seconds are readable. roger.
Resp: 11.21
